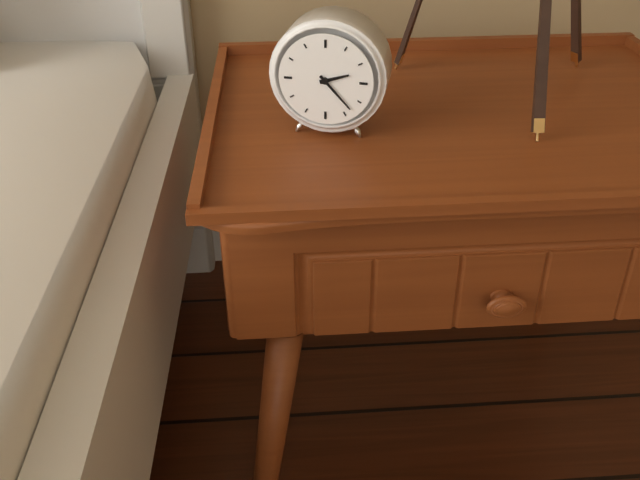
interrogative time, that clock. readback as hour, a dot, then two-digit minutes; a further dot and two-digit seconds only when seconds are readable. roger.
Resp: 2.23
